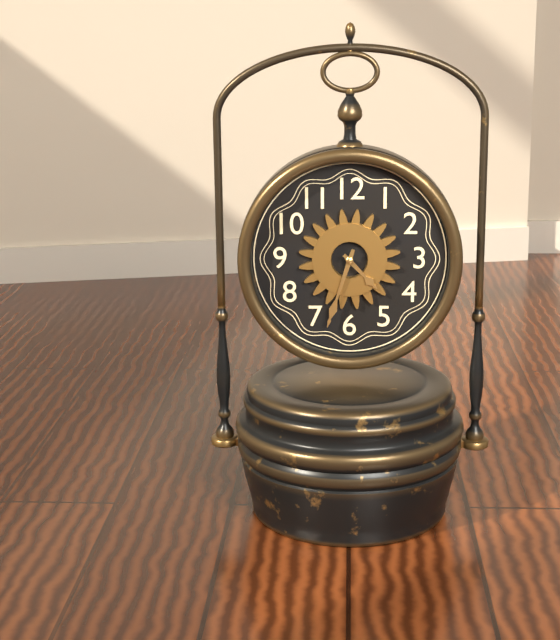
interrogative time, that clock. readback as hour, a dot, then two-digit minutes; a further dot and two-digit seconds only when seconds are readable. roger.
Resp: 4.33
